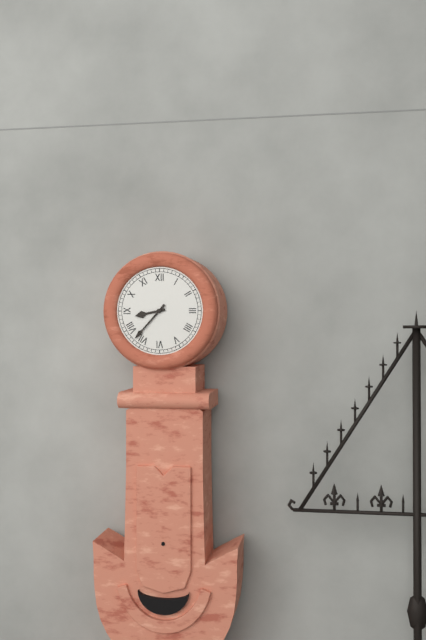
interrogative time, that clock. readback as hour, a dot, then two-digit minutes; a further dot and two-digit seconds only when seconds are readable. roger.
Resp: 8.37
